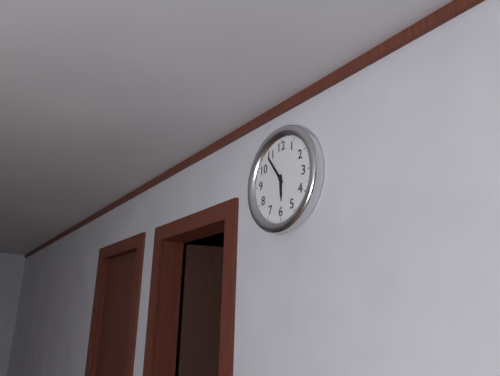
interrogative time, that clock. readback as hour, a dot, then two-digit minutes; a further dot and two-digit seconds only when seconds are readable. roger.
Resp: 5.54
